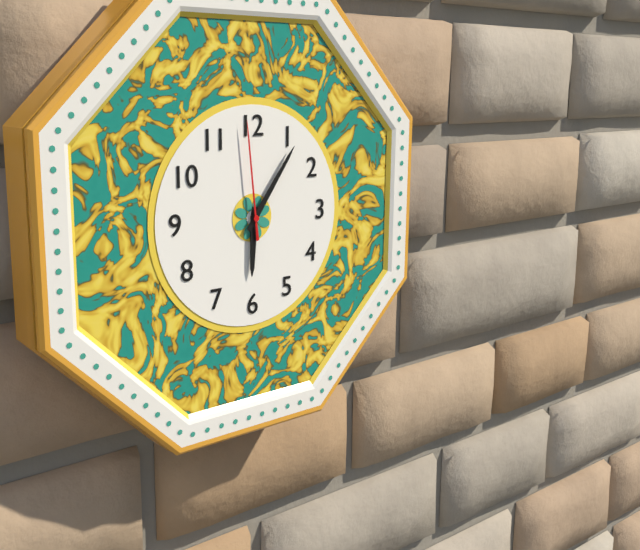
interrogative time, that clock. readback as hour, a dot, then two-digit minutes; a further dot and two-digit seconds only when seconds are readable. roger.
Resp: 6.06.59
